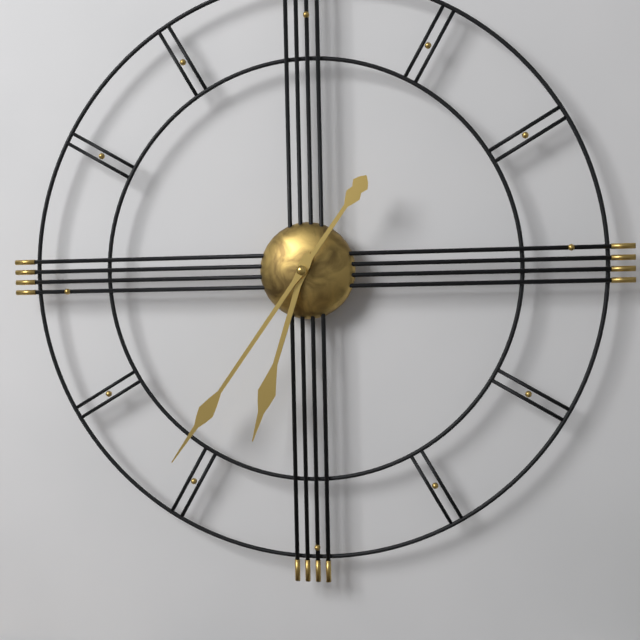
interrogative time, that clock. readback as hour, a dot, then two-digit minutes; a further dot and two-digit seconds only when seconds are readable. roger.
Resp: 6.36
